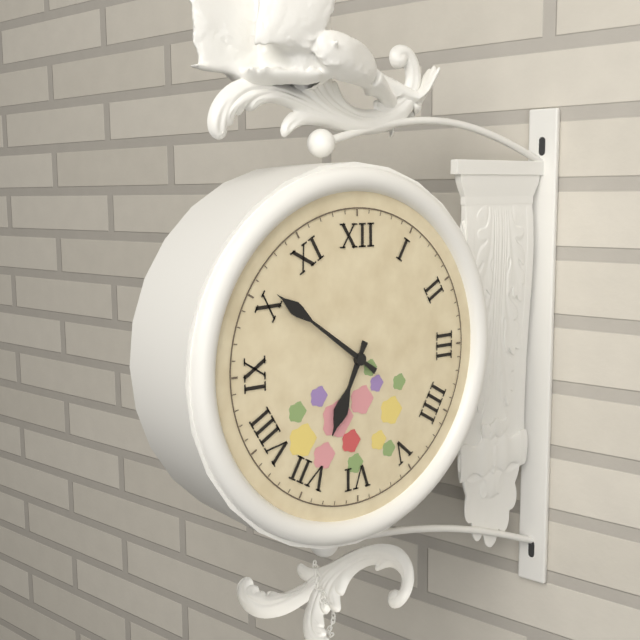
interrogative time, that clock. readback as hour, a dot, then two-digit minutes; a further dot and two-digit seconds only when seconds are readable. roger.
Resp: 6.51
